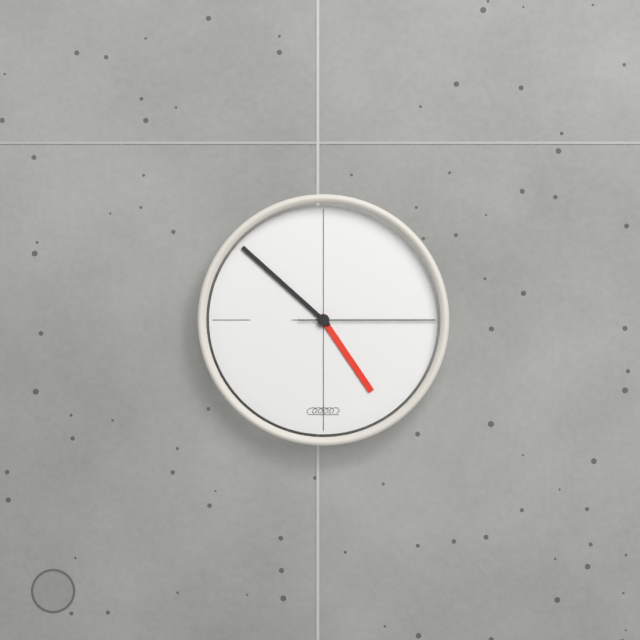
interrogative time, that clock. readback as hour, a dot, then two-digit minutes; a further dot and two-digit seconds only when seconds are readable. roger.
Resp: 4.52.15
